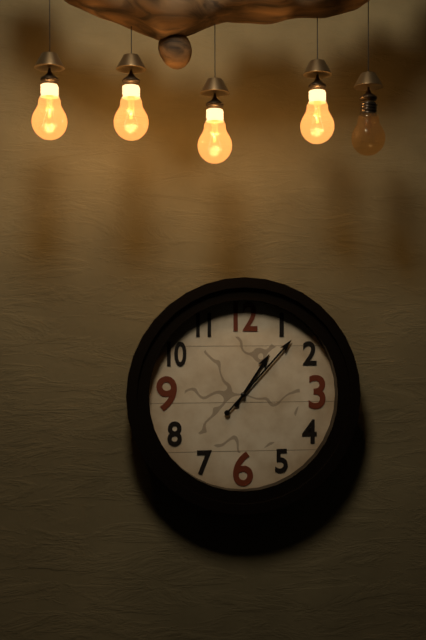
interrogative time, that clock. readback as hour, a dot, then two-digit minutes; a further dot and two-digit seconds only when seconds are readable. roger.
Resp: 1.07
